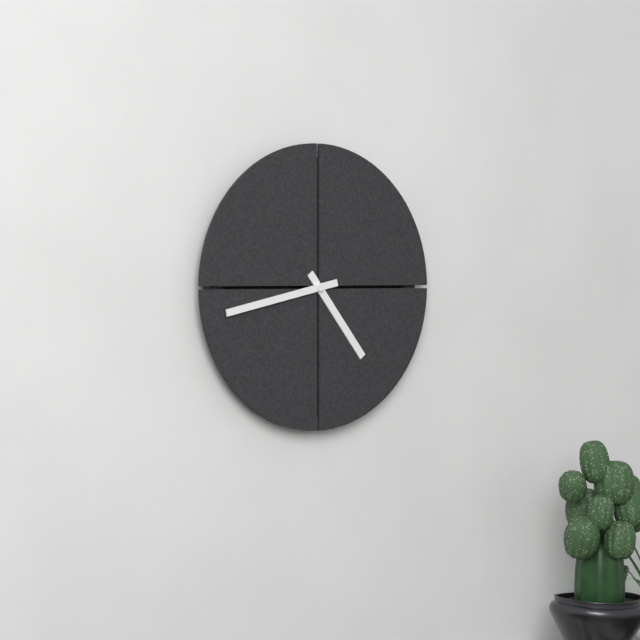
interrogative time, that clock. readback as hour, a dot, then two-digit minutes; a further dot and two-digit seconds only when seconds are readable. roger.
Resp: 4.43
